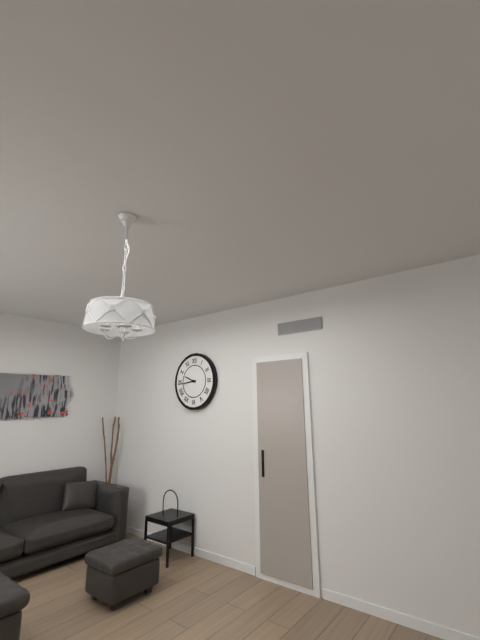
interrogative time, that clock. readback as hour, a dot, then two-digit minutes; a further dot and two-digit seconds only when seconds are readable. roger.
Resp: 9.44
